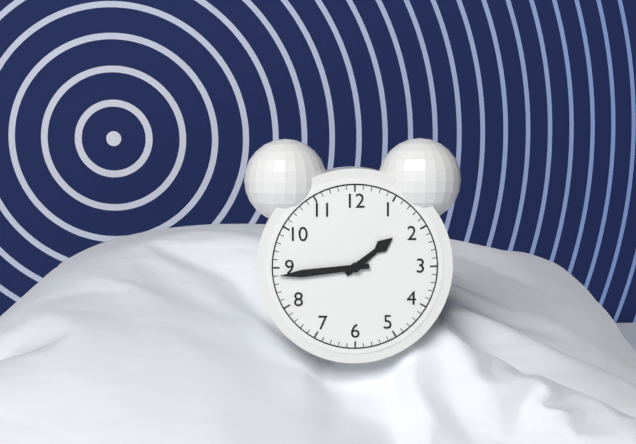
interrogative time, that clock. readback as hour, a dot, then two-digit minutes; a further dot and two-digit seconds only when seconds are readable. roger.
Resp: 1.44
